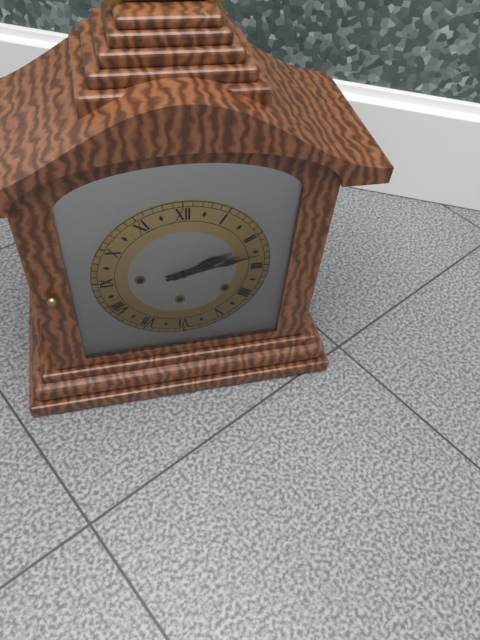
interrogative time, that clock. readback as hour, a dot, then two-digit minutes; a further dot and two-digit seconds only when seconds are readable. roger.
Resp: 2.13
